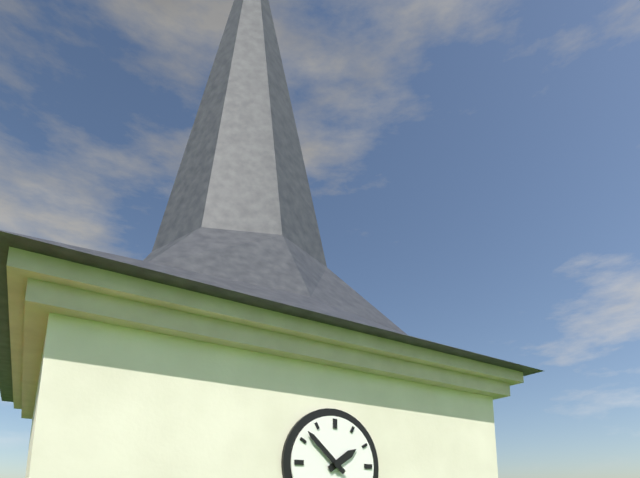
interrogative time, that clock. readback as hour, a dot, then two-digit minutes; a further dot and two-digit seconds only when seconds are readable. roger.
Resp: 1.52
